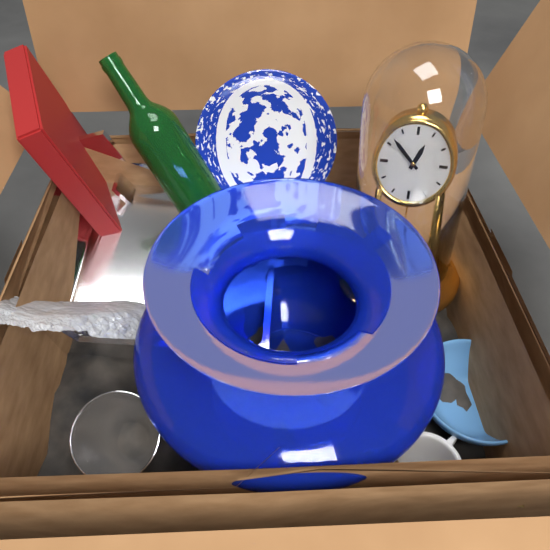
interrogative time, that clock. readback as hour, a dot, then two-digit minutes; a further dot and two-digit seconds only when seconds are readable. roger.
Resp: 12.52
